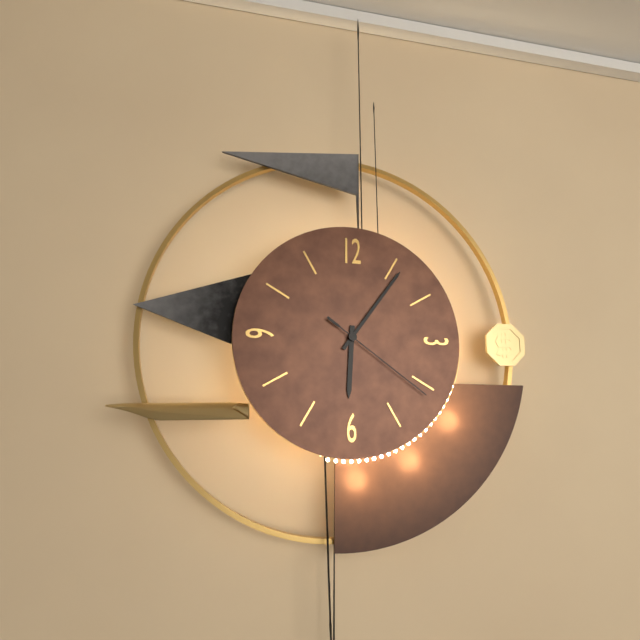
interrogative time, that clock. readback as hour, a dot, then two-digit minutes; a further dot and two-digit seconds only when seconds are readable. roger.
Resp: 6.06.21
